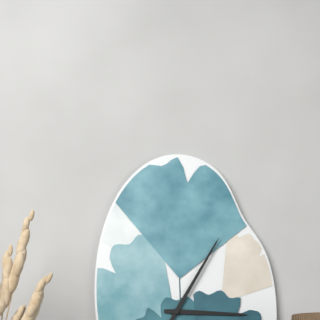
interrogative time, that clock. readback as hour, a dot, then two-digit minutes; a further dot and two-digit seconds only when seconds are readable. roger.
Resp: 3.05
